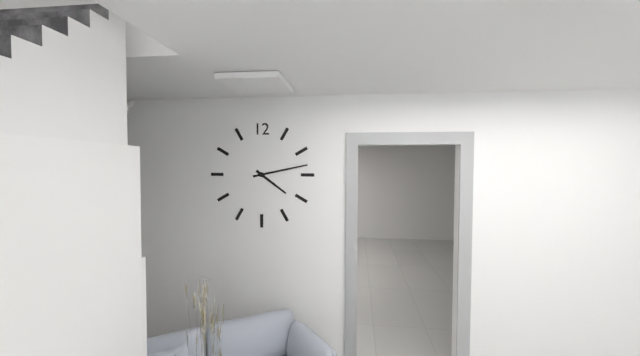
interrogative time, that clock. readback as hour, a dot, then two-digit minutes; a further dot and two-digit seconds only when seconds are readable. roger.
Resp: 4.13
